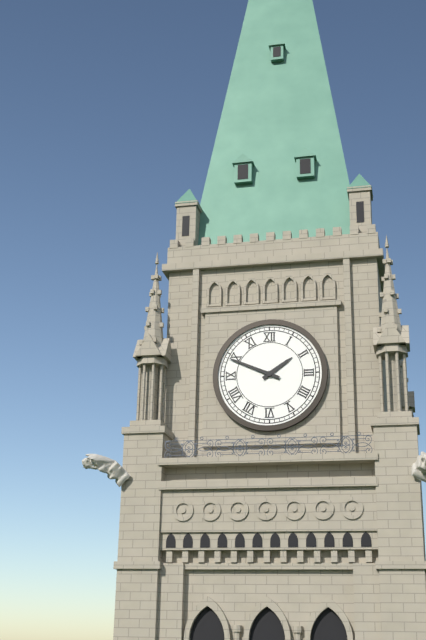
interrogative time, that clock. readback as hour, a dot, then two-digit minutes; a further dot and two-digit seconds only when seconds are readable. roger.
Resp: 1.49
